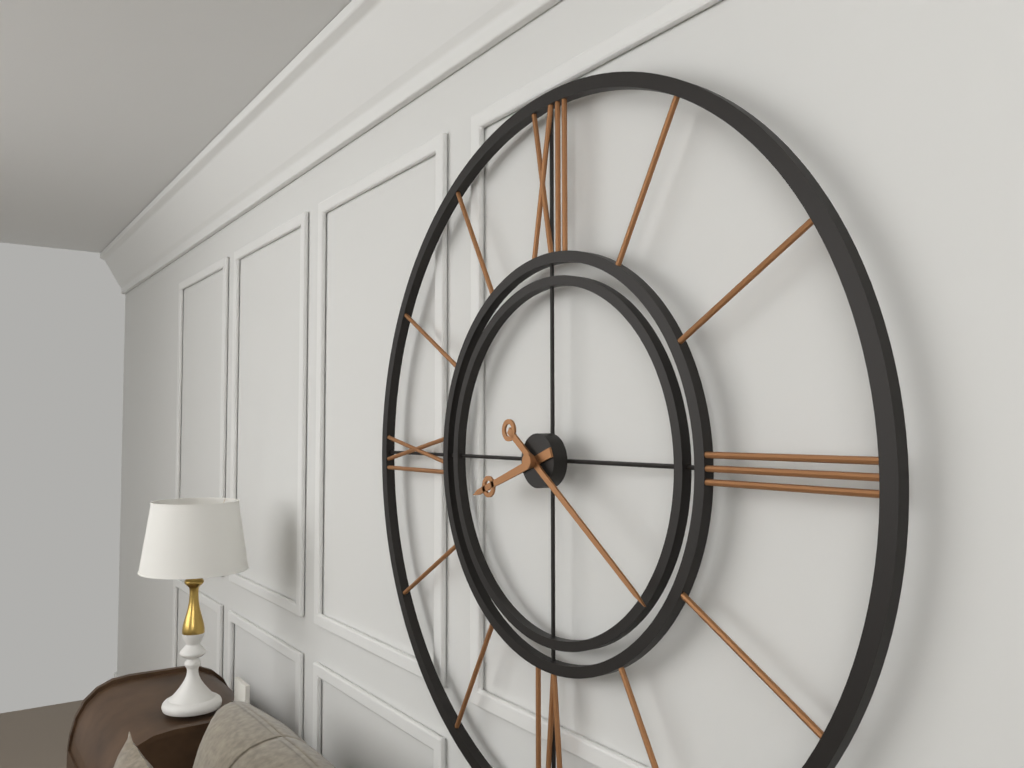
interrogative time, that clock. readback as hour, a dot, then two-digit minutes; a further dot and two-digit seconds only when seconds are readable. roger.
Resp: 8.21
